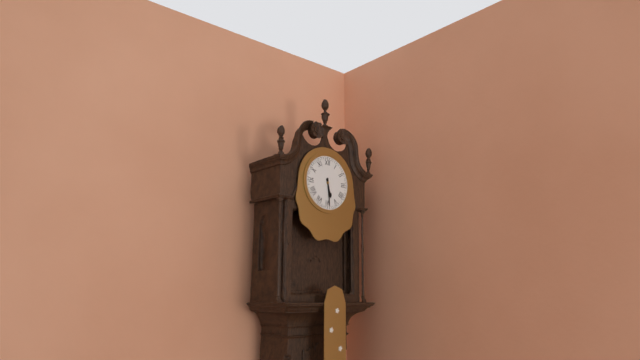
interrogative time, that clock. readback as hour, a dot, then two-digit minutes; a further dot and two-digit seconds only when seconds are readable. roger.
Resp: 5.29
